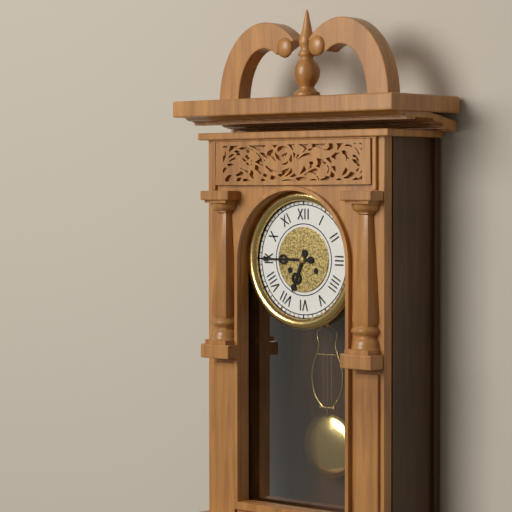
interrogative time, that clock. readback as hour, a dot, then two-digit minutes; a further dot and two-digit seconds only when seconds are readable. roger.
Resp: 6.45
